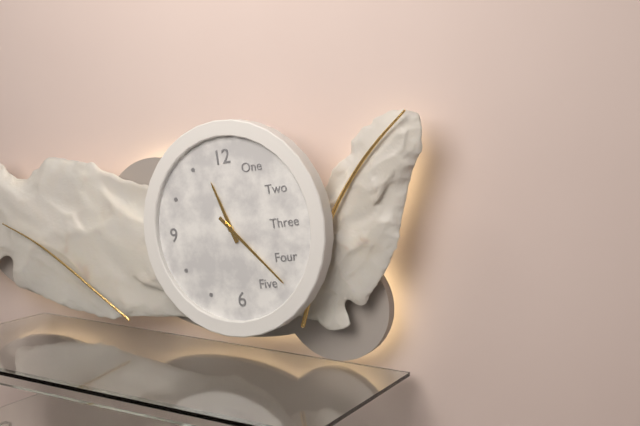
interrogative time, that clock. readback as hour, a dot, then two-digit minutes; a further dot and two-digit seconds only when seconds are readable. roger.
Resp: 11.23
